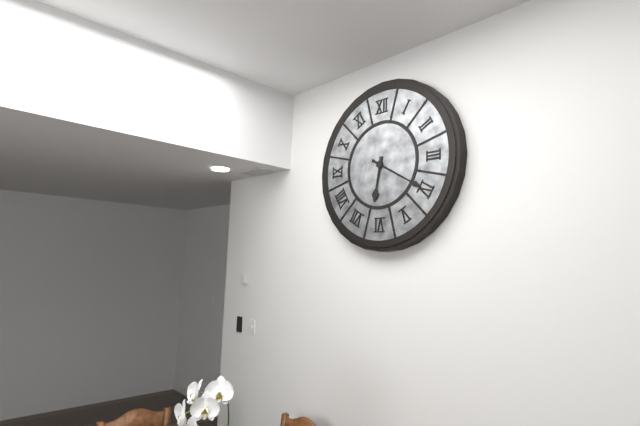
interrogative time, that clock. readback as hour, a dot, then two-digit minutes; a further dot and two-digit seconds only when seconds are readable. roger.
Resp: 6.20
